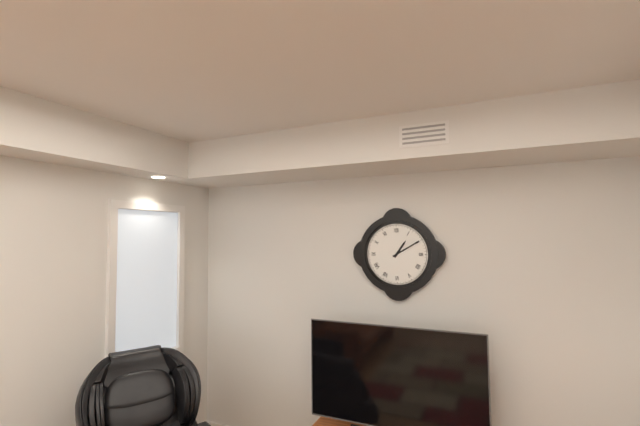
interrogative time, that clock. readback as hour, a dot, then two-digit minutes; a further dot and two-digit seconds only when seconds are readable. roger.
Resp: 1.10
